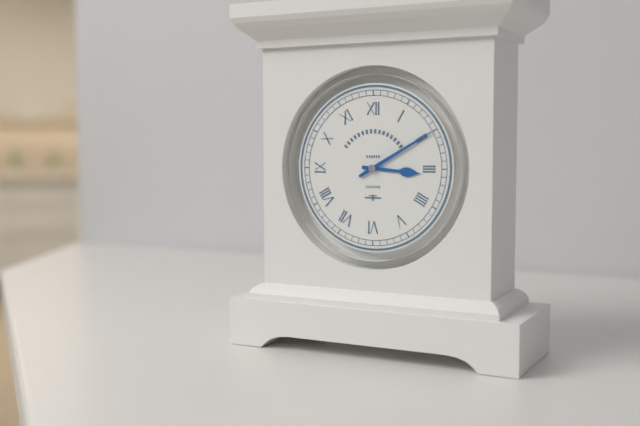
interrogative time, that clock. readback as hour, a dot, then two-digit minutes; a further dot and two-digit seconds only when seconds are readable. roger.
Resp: 3.10
